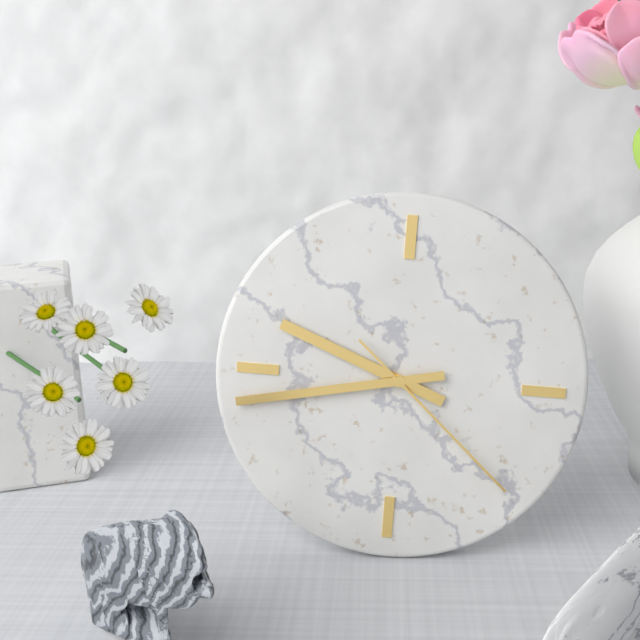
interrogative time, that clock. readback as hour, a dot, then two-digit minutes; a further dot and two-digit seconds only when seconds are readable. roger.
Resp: 9.43.22
